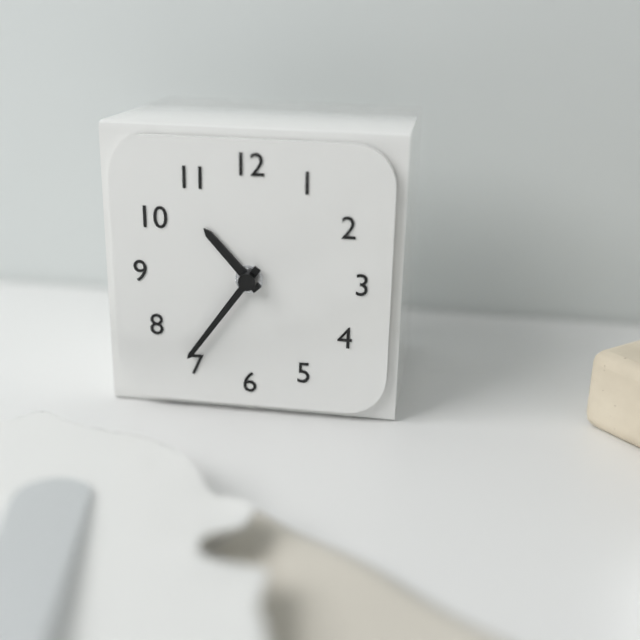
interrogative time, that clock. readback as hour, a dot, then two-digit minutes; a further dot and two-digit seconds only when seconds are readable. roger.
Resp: 10.36
